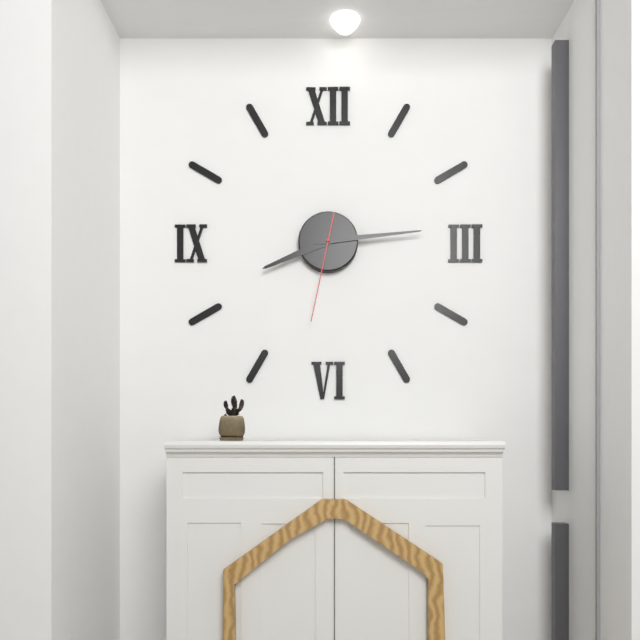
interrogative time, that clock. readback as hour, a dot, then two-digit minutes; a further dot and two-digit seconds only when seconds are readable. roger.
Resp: 8.14.32
